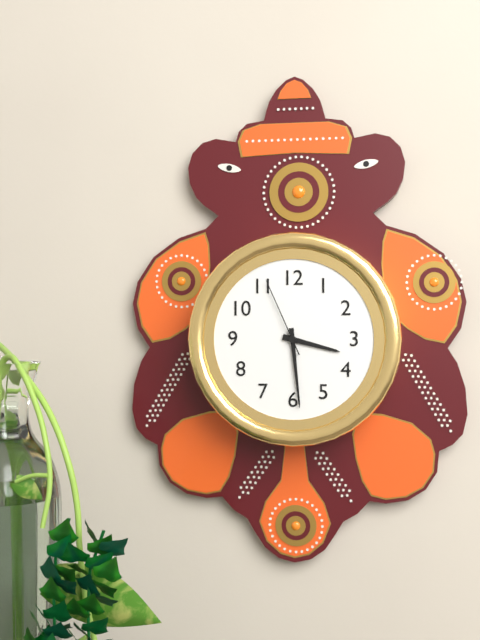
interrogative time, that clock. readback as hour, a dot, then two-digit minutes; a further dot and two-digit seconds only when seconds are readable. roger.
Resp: 3.29.56
